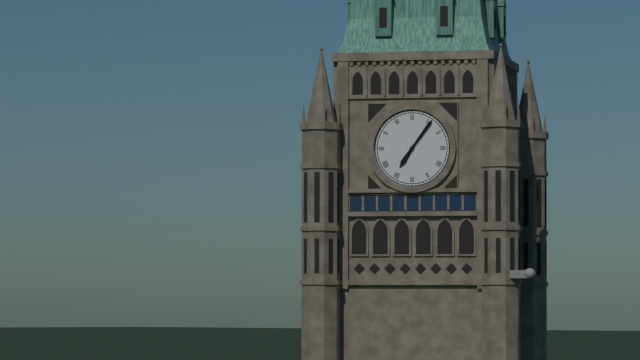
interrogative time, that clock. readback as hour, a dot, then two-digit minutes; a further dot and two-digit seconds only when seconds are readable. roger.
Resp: 7.06
